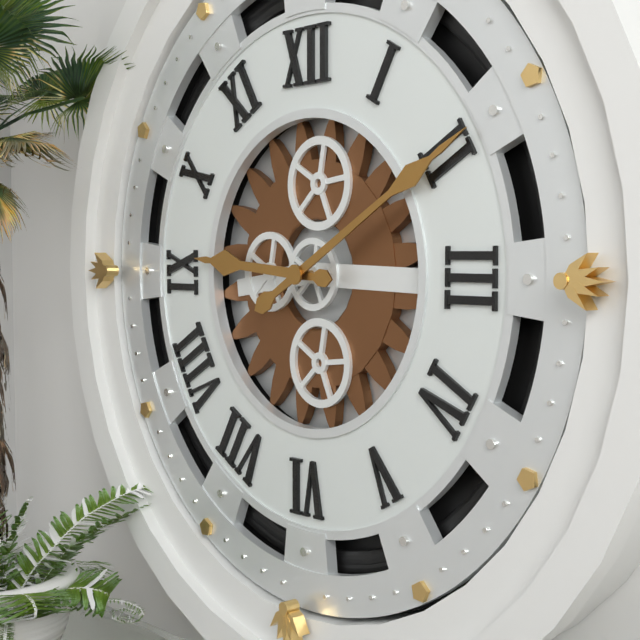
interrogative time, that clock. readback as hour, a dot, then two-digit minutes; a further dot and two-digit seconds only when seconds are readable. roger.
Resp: 9.10
